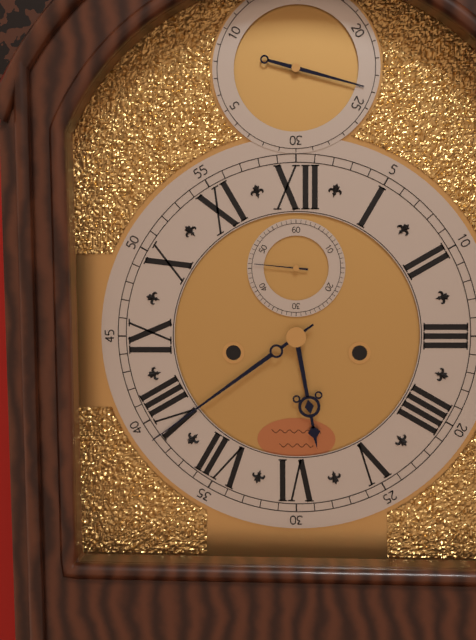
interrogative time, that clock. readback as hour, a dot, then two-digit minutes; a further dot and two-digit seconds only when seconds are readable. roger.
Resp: 5.39.46
